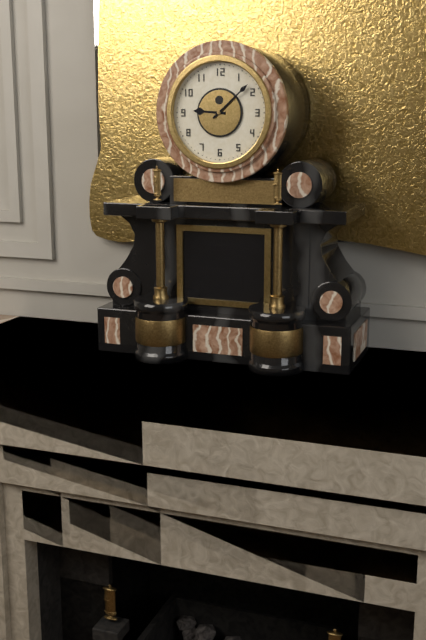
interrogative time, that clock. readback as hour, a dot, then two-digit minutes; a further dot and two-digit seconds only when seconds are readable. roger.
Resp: 9.08
